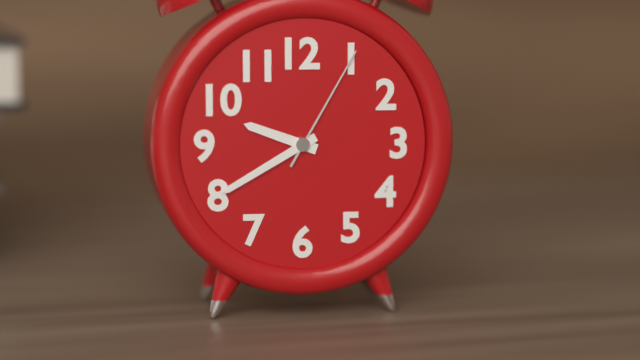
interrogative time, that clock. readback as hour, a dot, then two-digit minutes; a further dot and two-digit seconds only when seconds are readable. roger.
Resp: 9.40.05
